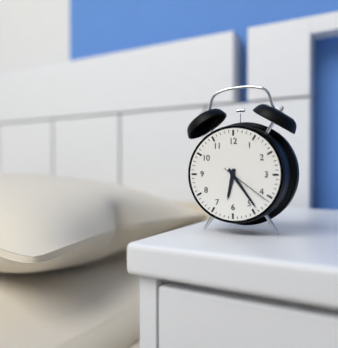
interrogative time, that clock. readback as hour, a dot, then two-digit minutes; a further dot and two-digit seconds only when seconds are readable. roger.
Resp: 6.24
